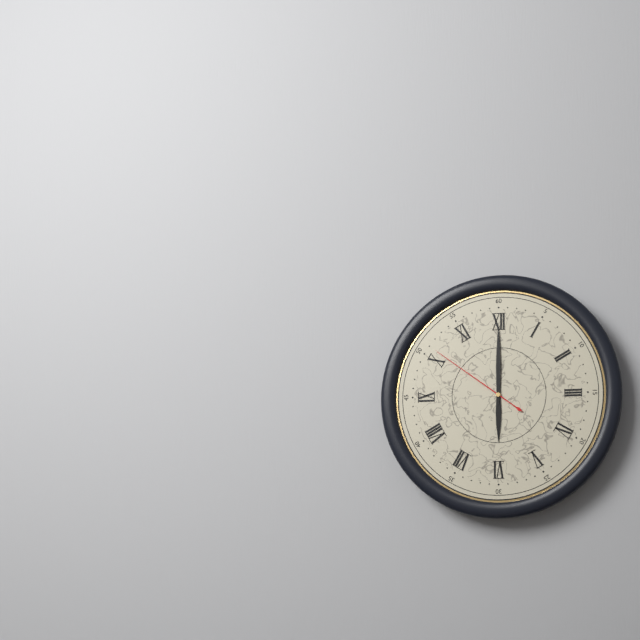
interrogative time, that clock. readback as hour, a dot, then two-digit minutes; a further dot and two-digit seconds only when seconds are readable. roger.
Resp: 6.00.51
